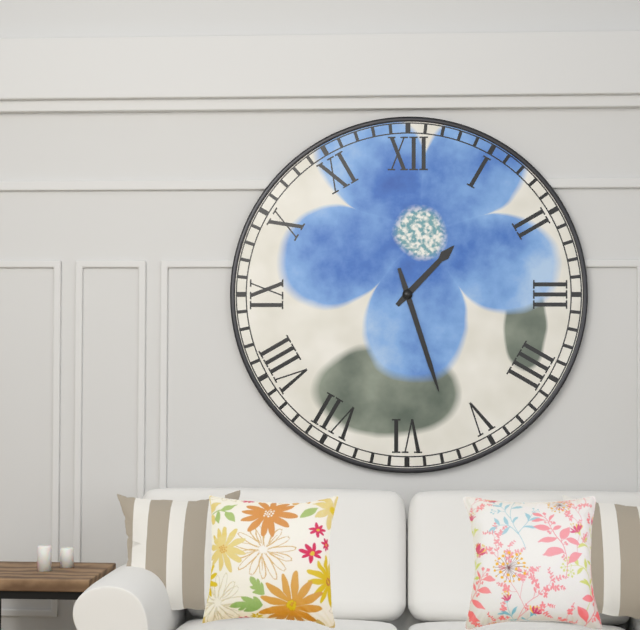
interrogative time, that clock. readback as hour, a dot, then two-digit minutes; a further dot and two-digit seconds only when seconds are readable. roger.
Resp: 1.27
